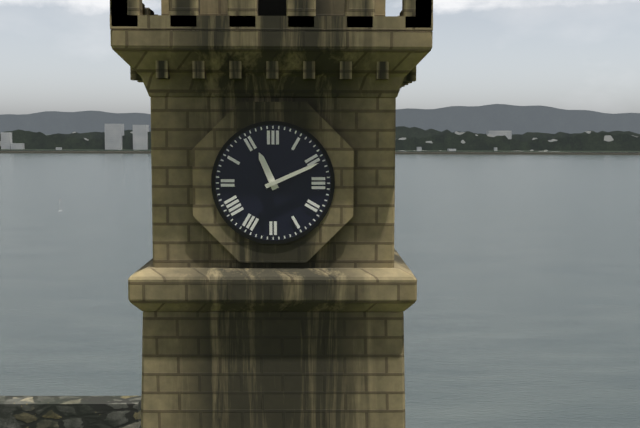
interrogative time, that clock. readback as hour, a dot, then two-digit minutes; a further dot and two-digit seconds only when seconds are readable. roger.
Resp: 11.11
